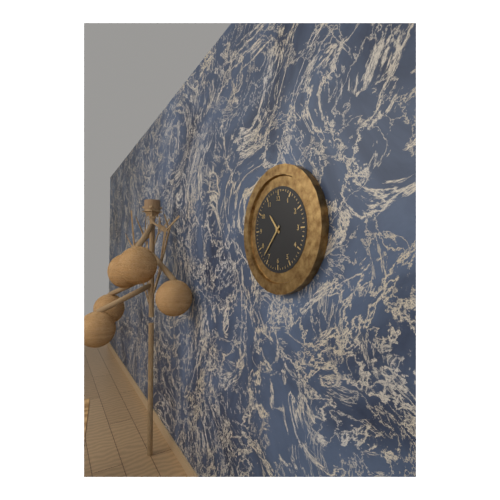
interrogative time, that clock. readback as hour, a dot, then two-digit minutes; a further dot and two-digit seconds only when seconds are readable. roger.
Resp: 10.37
